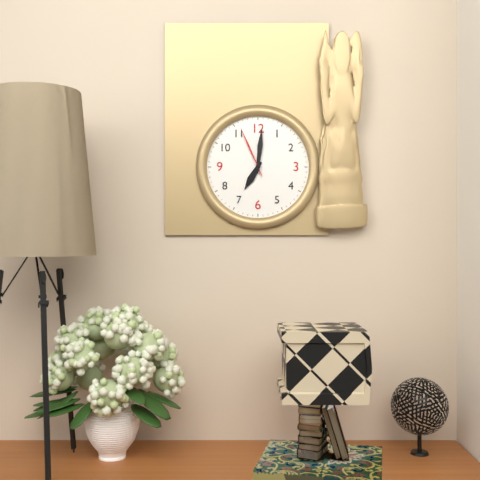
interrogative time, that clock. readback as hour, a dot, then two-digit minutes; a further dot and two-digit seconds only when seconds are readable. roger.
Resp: 7.01.56
